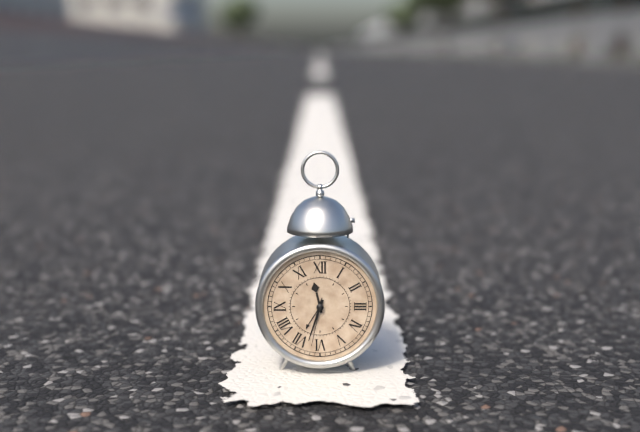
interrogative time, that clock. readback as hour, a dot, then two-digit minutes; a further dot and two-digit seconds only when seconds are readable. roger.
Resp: 11.33
